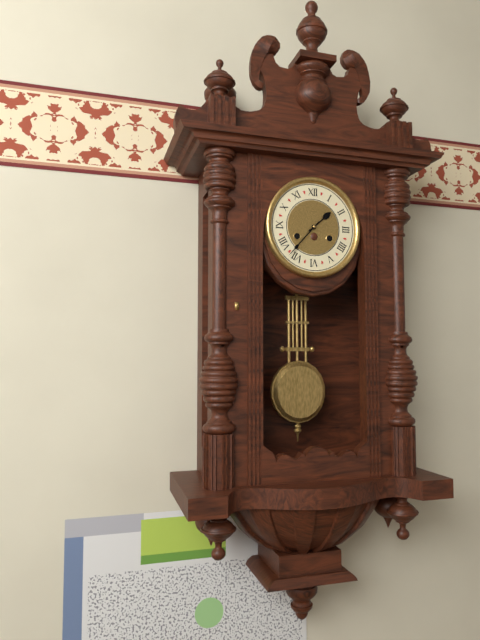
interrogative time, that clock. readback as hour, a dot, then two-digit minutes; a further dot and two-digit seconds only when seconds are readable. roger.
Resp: 1.37
